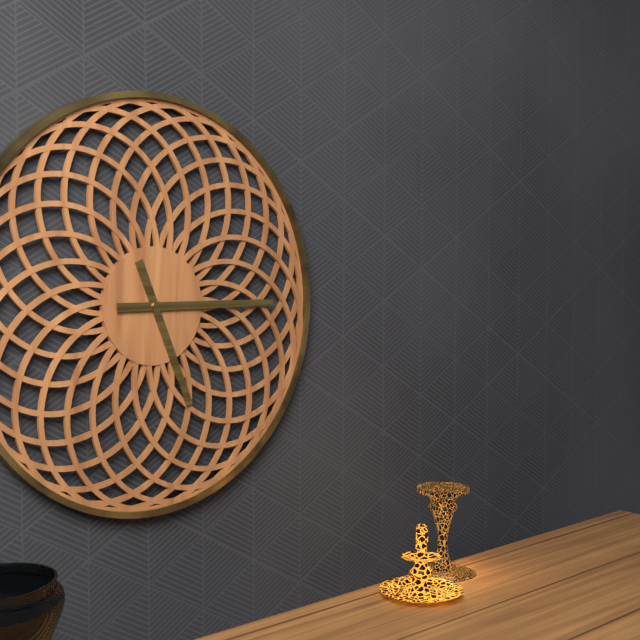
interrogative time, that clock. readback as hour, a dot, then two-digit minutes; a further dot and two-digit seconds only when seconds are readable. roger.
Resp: 5.15
